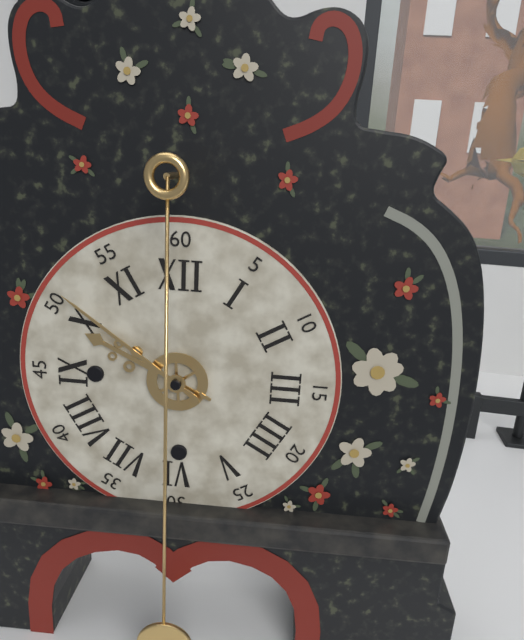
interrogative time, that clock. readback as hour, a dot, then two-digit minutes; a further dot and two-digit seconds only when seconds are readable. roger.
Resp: 9.51
